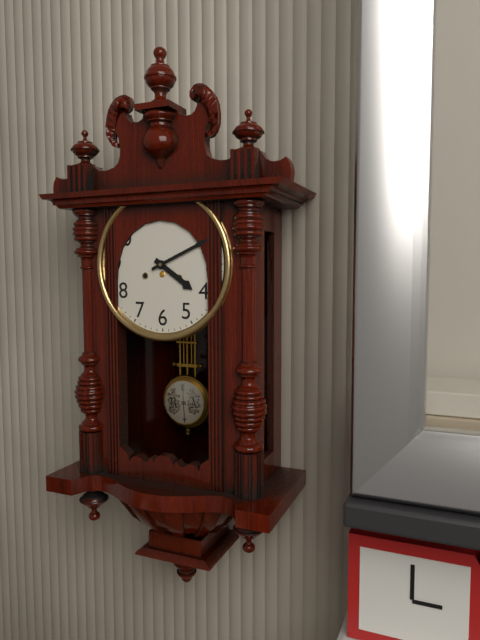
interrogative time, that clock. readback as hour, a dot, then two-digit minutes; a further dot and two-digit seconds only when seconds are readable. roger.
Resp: 4.11
